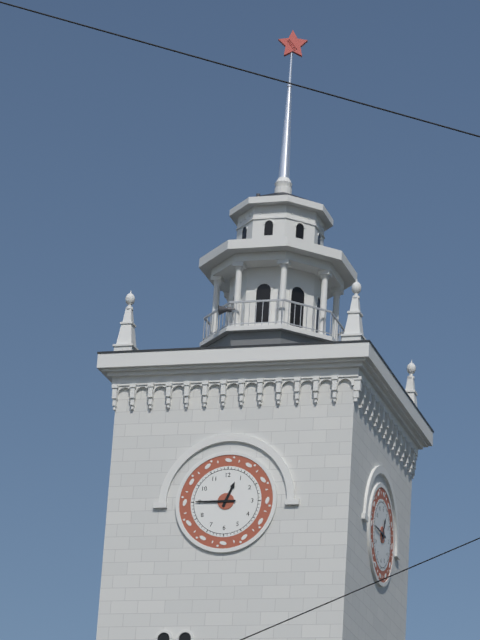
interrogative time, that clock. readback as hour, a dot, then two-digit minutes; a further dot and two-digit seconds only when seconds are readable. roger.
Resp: 12.45
